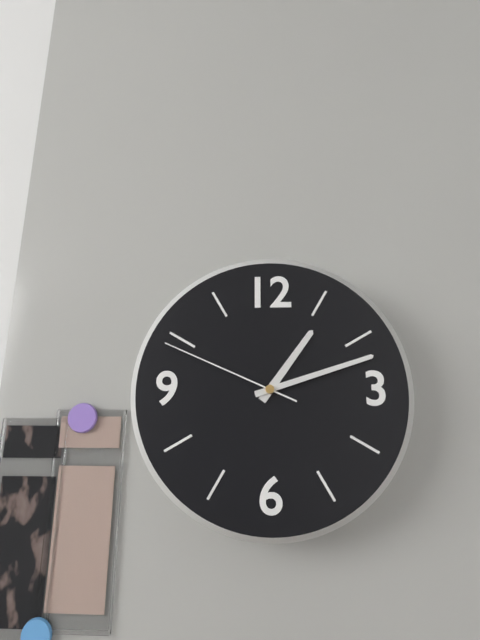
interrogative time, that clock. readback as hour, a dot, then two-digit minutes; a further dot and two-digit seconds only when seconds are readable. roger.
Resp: 1.12.49
